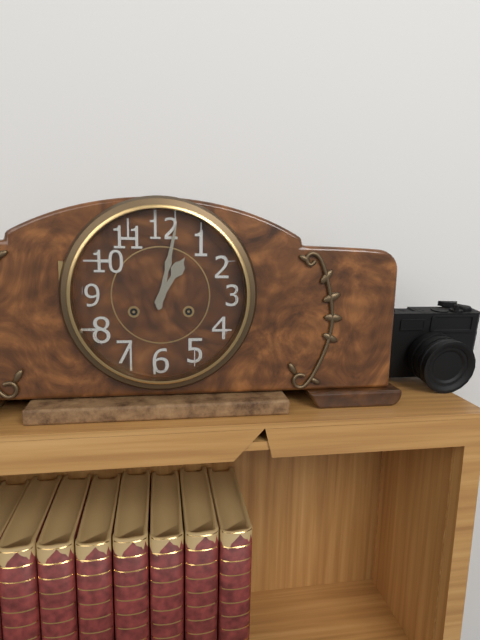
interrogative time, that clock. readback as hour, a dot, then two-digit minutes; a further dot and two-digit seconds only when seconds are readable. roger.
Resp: 1.02
